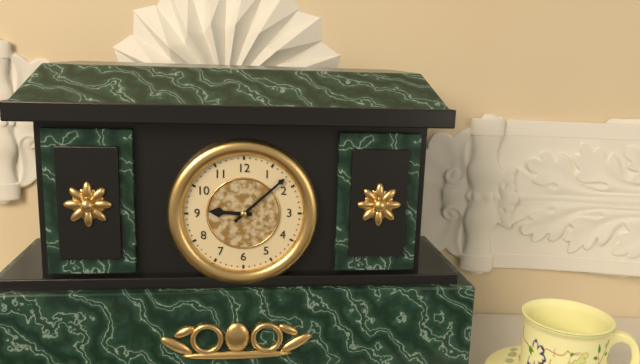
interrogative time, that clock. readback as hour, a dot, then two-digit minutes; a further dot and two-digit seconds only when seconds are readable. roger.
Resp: 9.08
